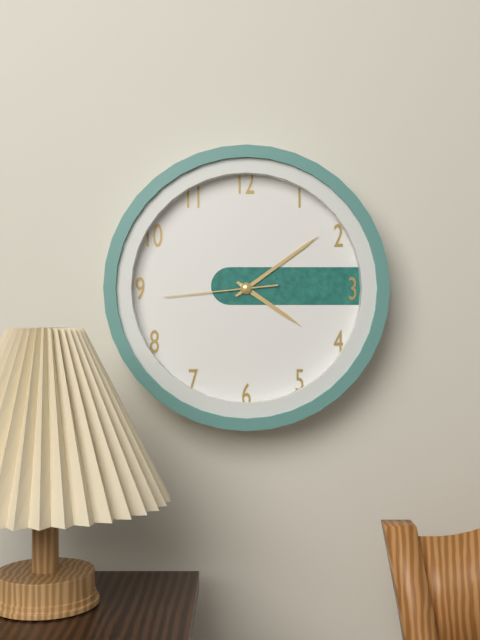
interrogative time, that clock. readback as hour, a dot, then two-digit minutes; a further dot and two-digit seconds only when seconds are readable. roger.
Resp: 4.09.44
